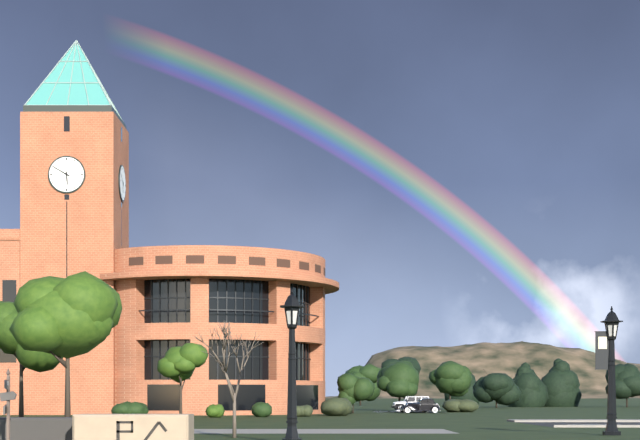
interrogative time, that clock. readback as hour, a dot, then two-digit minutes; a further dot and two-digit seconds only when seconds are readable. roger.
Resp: 5.50
